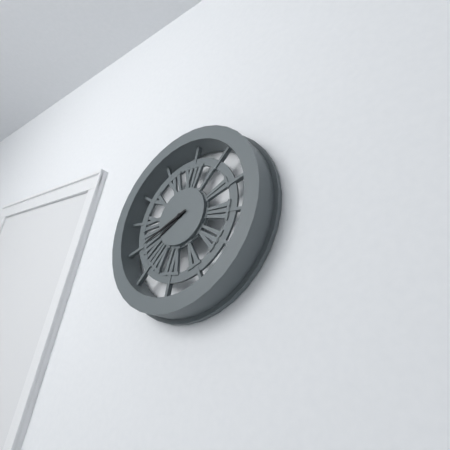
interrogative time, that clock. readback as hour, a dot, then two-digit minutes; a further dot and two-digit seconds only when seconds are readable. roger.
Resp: 7.40
